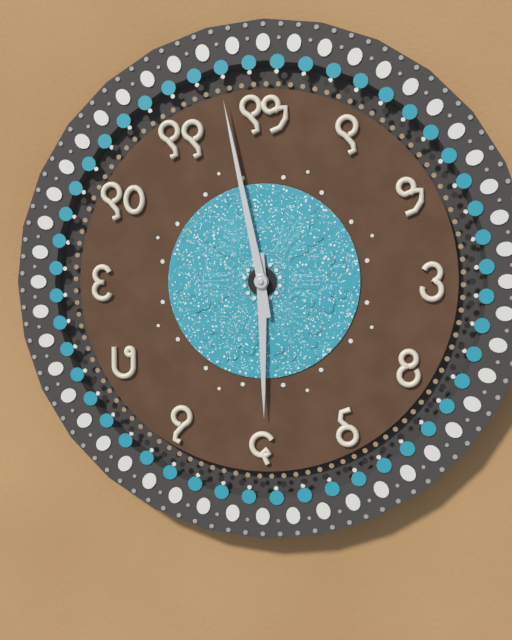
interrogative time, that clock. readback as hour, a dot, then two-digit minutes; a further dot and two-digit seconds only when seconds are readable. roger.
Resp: 5.58
